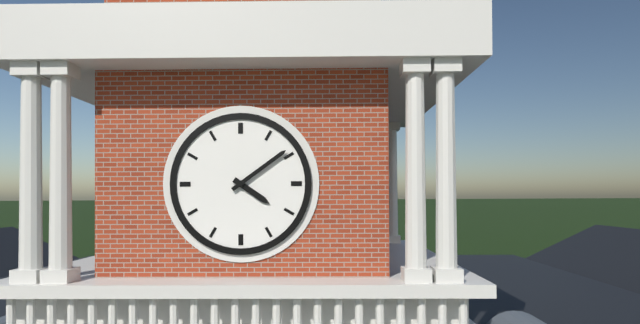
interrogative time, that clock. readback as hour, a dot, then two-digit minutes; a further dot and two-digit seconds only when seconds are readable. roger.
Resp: 4.09
